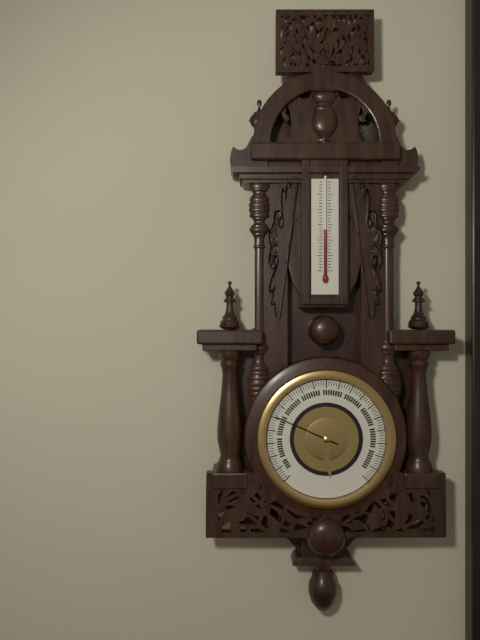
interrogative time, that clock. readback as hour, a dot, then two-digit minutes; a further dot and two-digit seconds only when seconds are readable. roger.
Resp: 5.49
